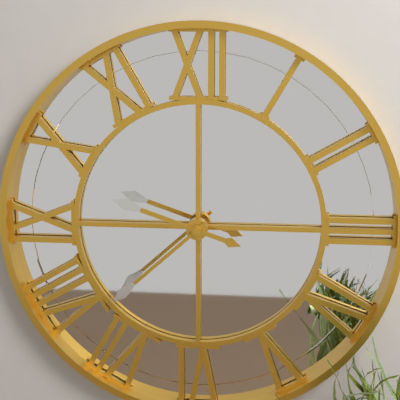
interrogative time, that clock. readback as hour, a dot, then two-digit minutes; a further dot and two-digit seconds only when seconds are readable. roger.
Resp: 9.38
